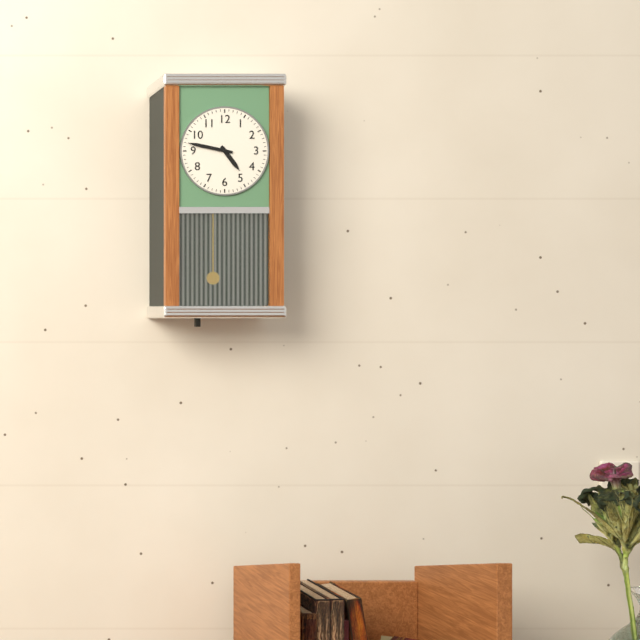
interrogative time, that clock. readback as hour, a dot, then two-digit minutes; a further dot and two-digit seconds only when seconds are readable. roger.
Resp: 4.47
